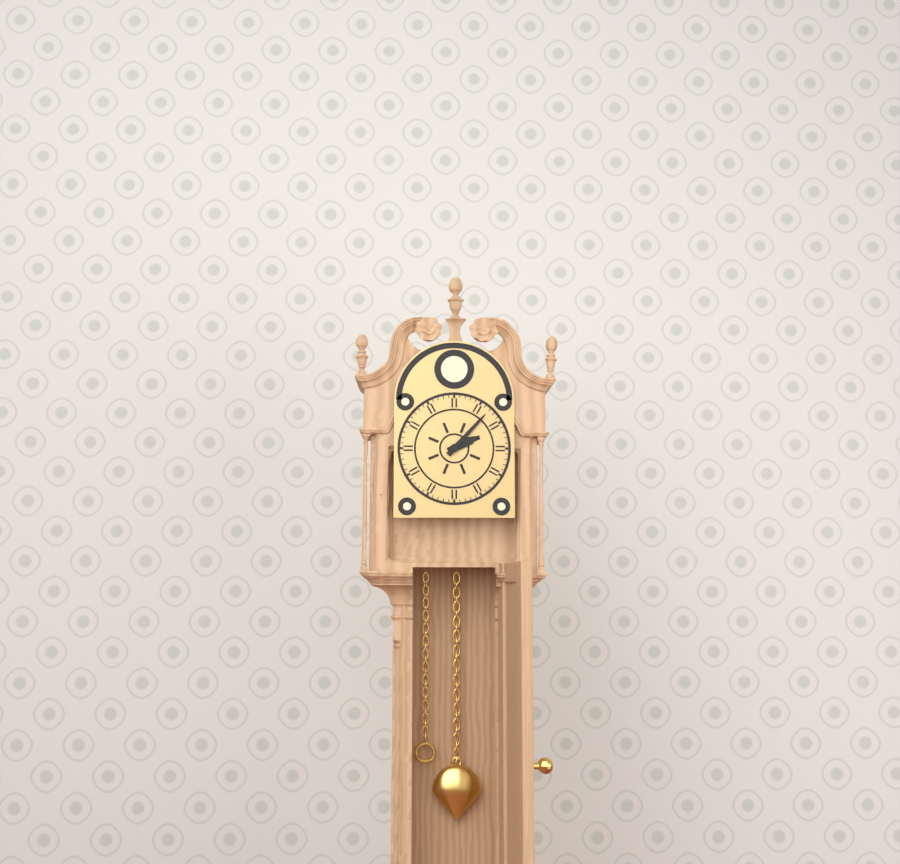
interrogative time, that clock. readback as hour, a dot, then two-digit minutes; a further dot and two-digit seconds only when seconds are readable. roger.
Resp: 2.07
